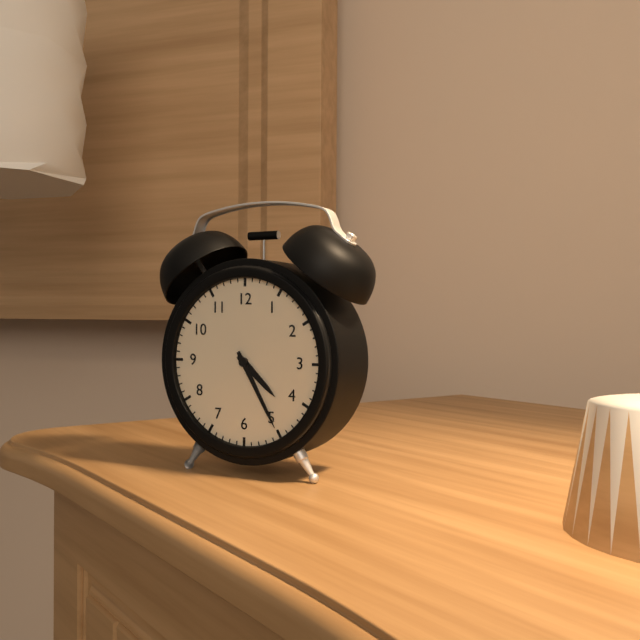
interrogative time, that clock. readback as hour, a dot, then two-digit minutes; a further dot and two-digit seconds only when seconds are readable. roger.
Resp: 4.25
